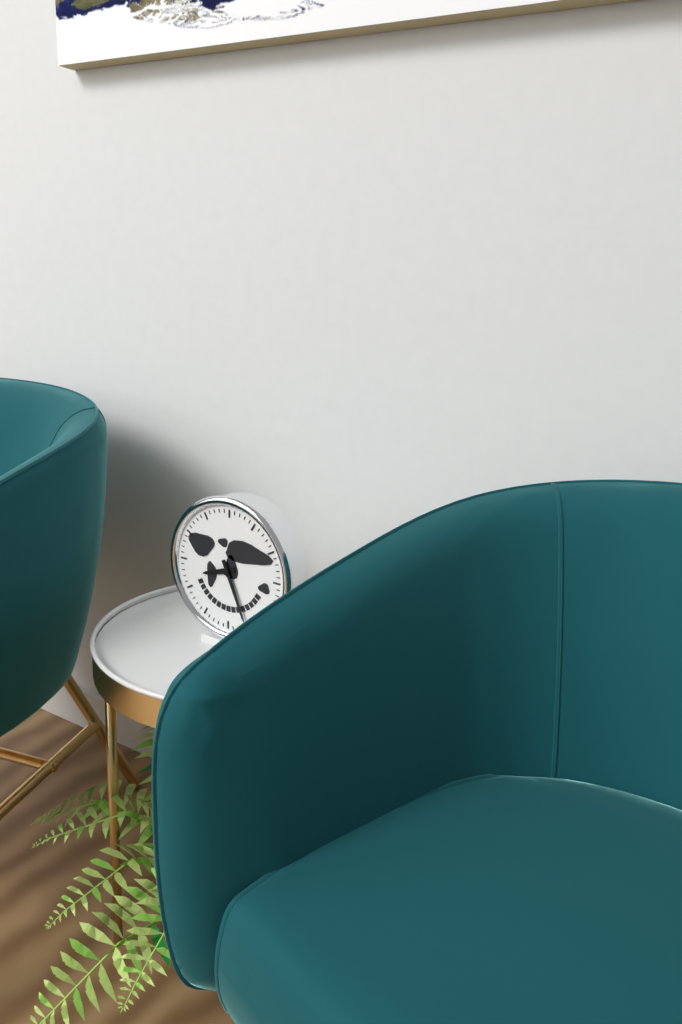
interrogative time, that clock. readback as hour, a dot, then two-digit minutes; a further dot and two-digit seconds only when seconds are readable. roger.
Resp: 8.26
